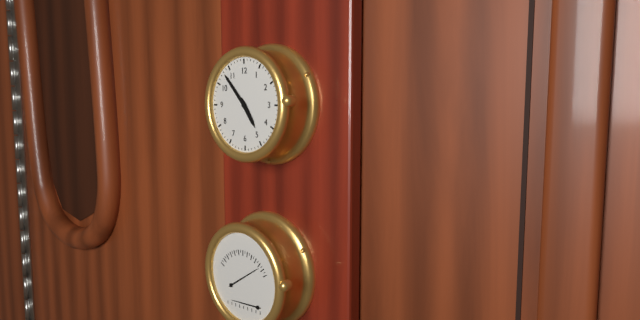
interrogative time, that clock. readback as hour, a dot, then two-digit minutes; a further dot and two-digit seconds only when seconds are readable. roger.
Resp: 4.53
